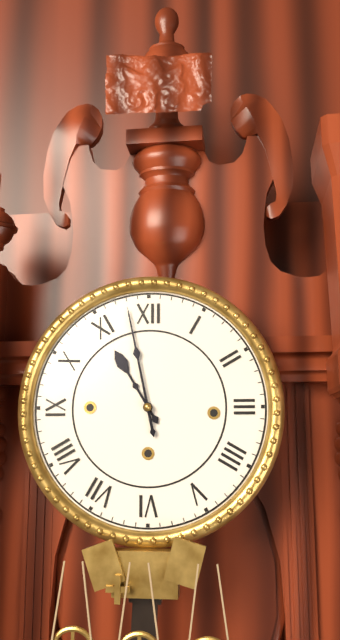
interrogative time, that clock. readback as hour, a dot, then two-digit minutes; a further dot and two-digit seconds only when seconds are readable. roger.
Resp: 10.58
